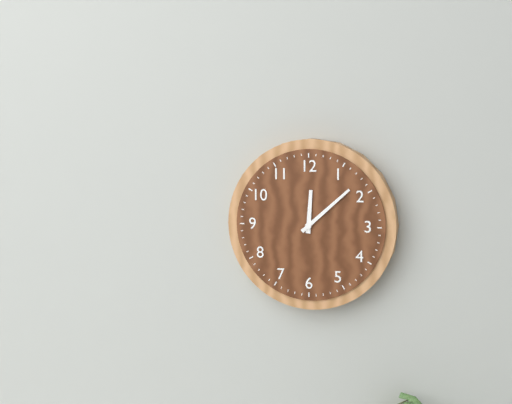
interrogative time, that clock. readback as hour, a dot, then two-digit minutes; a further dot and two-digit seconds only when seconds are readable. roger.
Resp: 12.08
